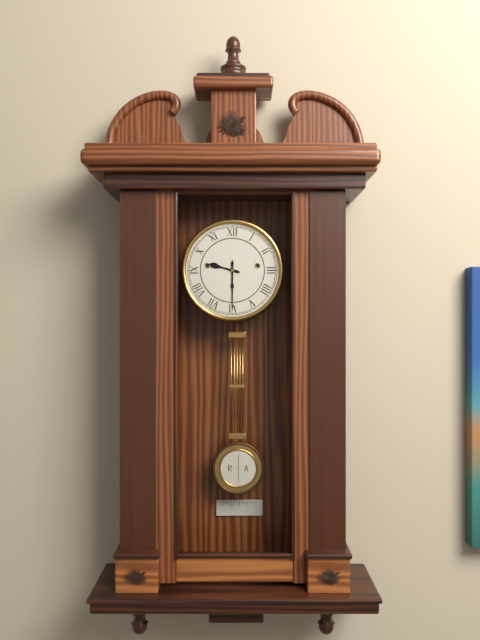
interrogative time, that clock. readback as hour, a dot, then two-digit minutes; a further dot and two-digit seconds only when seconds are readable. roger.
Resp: 9.30
